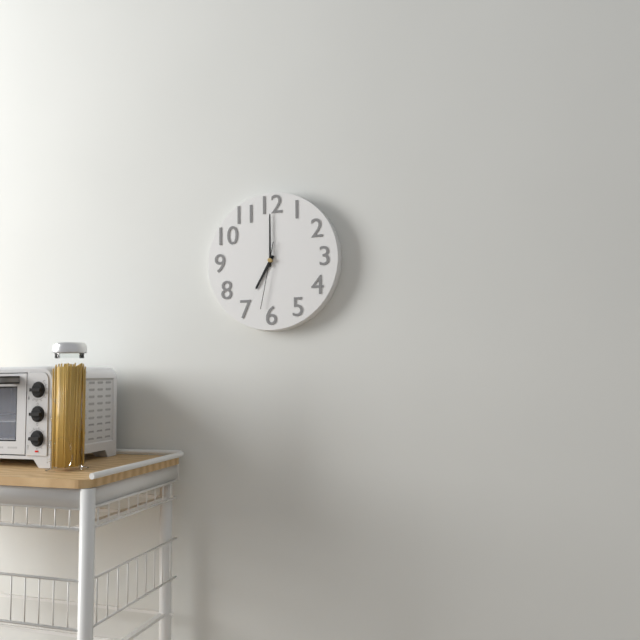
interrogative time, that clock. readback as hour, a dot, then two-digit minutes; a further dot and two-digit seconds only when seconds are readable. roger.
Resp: 7.00.32
